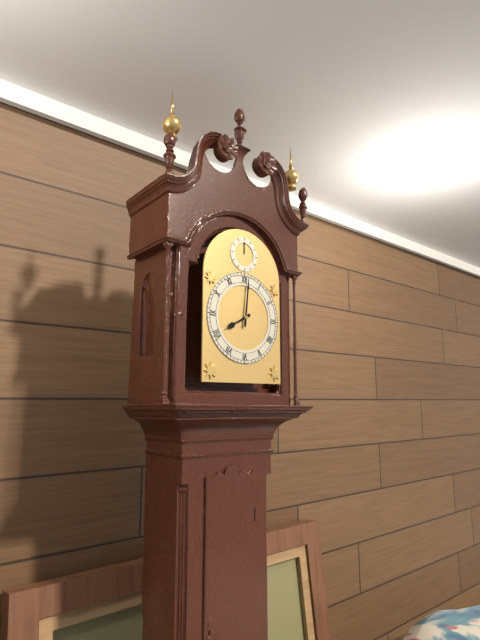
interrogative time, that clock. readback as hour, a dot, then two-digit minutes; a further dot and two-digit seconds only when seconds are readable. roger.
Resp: 8.01
